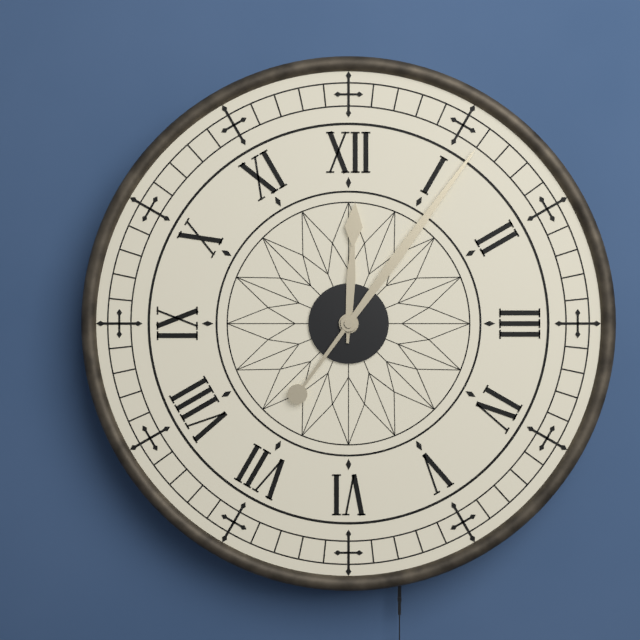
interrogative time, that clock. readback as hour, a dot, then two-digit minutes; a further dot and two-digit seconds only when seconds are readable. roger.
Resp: 12.06
